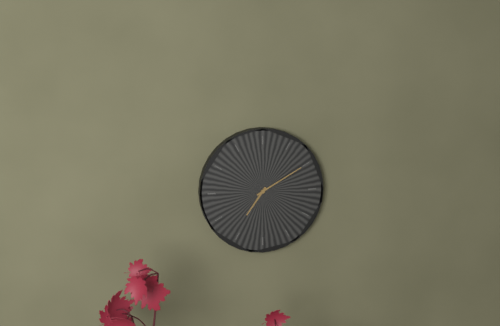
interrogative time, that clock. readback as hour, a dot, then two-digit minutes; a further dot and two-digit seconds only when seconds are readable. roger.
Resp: 7.10
